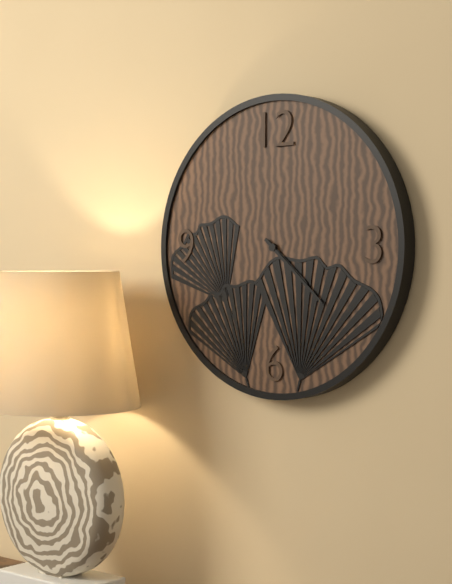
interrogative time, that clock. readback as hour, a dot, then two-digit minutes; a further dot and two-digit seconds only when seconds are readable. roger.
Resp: 4.22
